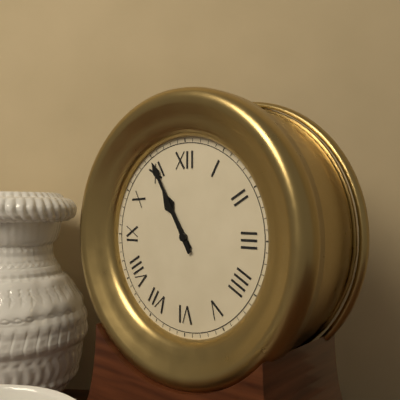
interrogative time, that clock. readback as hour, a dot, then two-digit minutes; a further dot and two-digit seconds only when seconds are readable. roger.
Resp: 10.55
